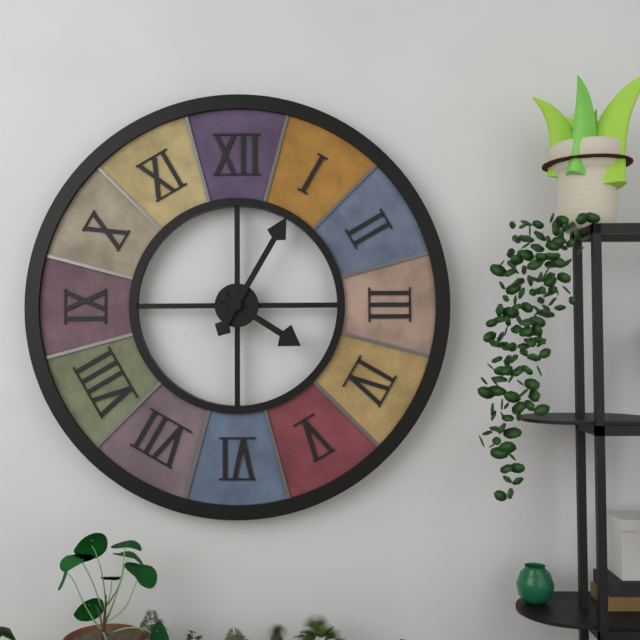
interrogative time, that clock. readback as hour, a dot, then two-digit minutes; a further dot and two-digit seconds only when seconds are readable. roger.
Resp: 4.05
